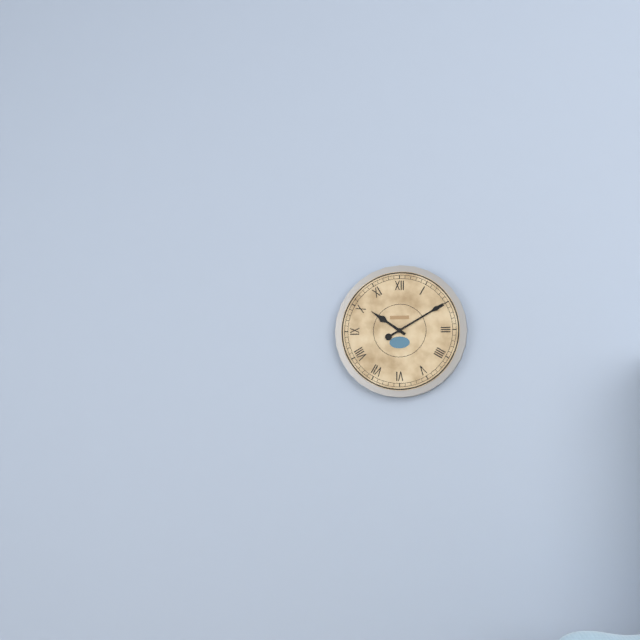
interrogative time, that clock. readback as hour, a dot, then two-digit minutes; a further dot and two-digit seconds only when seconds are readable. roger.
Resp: 10.10
